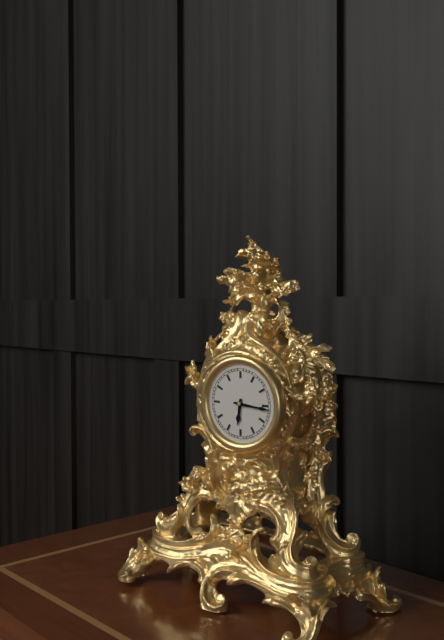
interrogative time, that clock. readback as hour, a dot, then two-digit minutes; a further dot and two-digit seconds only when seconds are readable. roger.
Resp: 6.16
